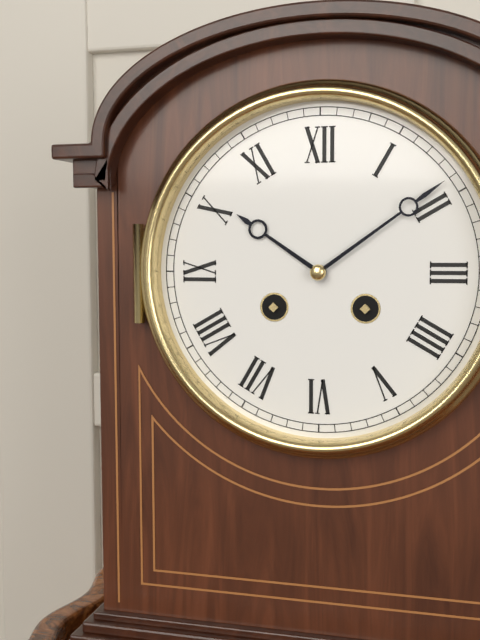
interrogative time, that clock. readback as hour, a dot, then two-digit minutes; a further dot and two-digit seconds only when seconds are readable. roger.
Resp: 10.09
